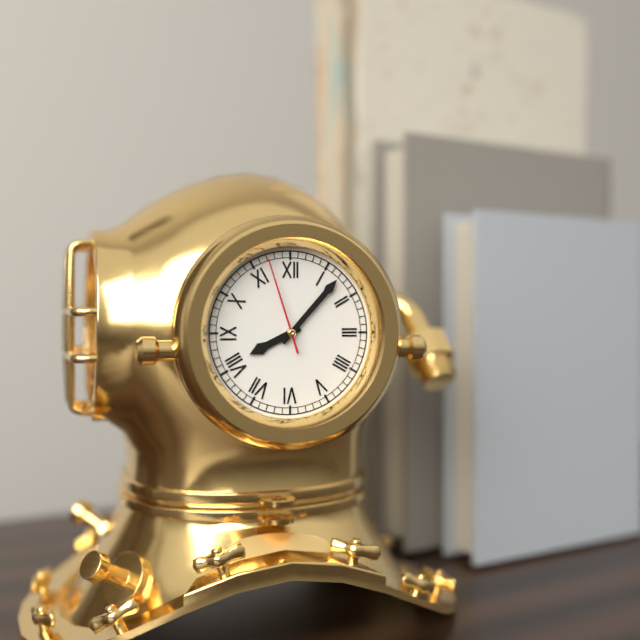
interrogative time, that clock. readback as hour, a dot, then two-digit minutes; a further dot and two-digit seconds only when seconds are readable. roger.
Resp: 8.07.57
